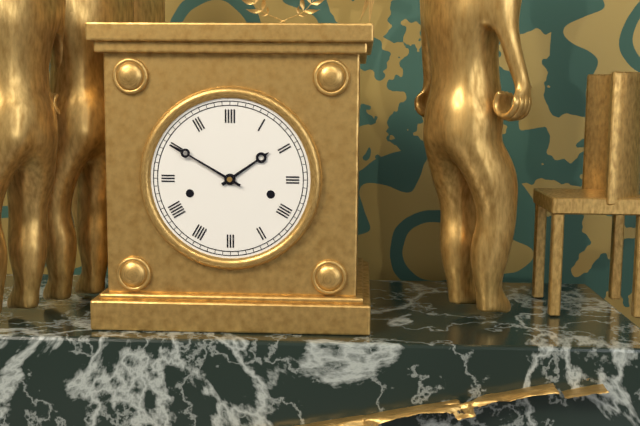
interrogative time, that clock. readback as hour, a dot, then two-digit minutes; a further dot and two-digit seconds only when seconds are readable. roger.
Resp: 1.50
